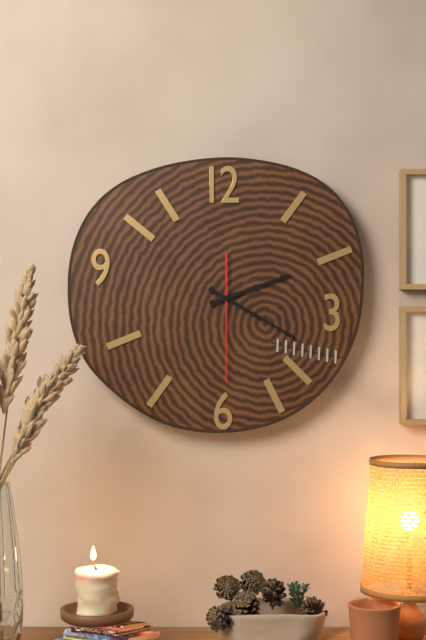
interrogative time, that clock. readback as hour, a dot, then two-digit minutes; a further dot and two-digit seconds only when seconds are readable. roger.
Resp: 2.20.30
